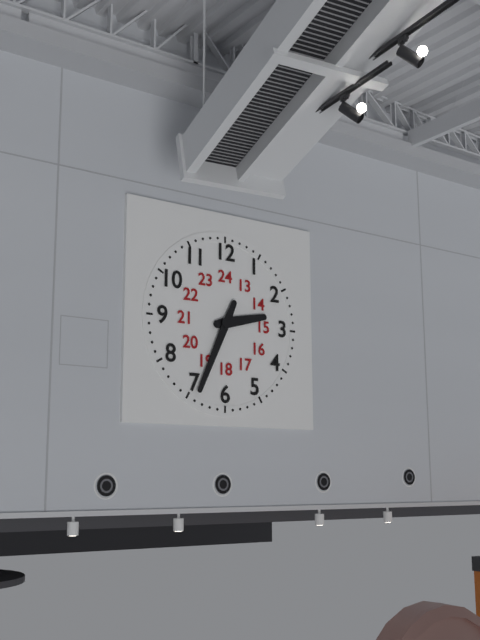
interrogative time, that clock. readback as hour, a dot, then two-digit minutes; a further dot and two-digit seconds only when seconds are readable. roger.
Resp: 2.34
